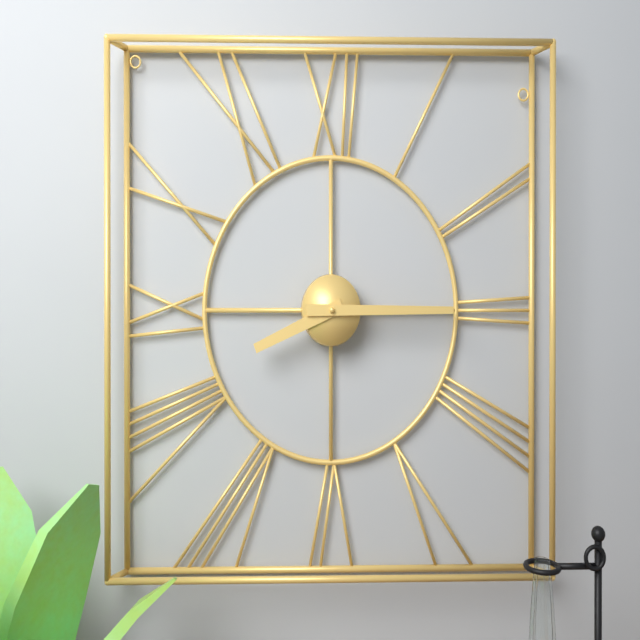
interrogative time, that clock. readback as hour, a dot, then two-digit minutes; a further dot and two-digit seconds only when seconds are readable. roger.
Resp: 8.15
